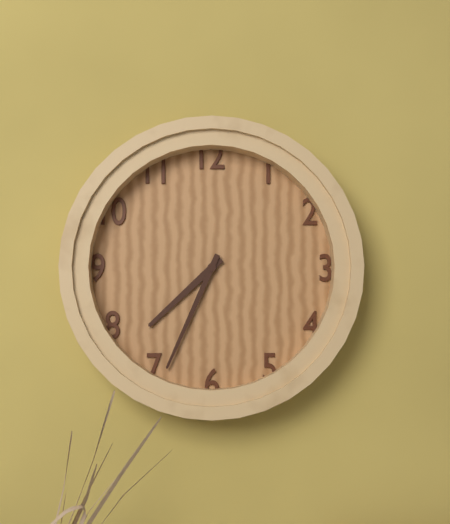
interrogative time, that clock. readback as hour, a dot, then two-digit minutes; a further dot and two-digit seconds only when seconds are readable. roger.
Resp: 7.34
